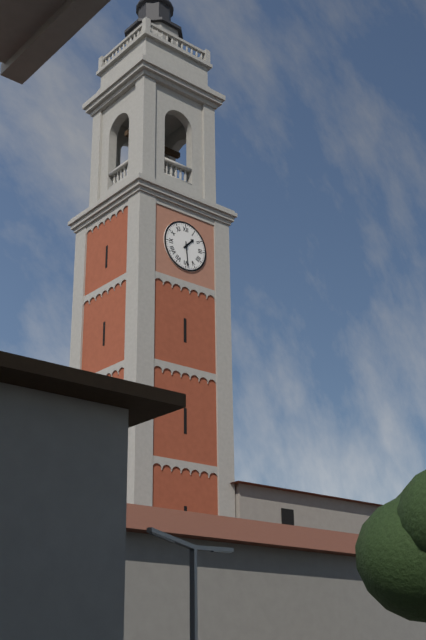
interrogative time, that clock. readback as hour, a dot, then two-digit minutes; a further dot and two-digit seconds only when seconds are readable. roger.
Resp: 1.29
